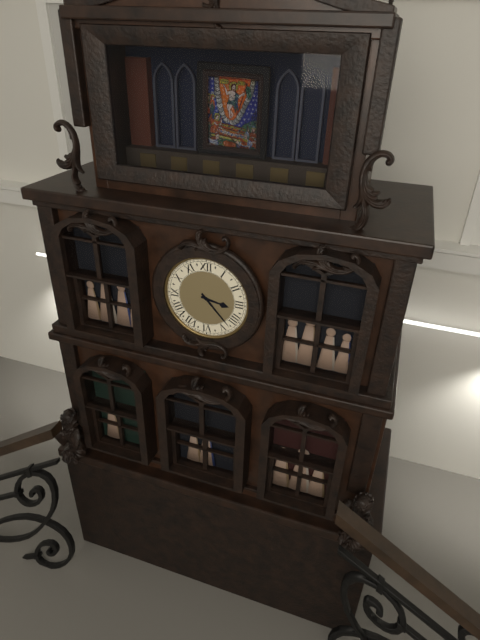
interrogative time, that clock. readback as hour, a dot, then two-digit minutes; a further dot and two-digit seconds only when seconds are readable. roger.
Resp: 3.23
